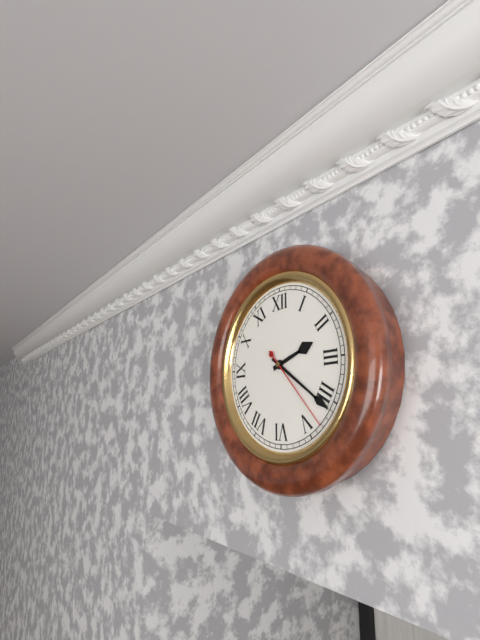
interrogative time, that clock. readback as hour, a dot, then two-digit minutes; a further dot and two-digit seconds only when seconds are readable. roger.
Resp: 2.21.23
